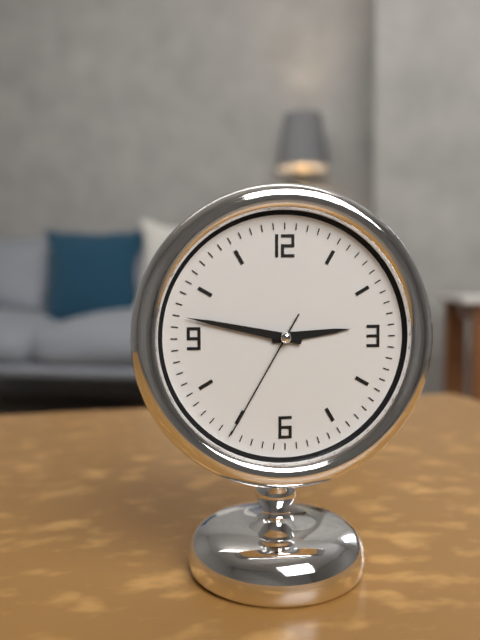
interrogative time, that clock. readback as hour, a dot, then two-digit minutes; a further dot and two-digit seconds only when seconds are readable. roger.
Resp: 2.47.35
